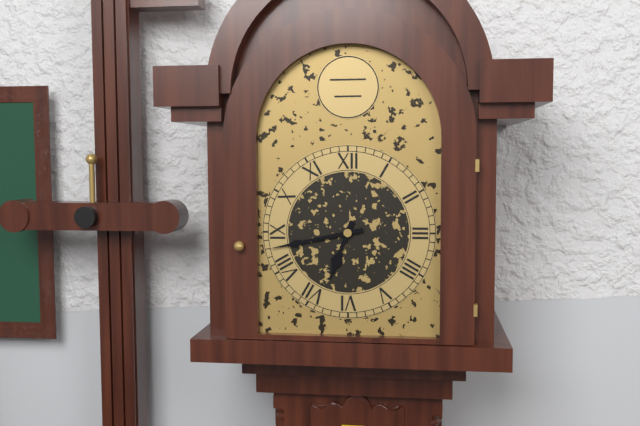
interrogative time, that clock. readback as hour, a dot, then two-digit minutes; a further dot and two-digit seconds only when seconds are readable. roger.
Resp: 6.43
